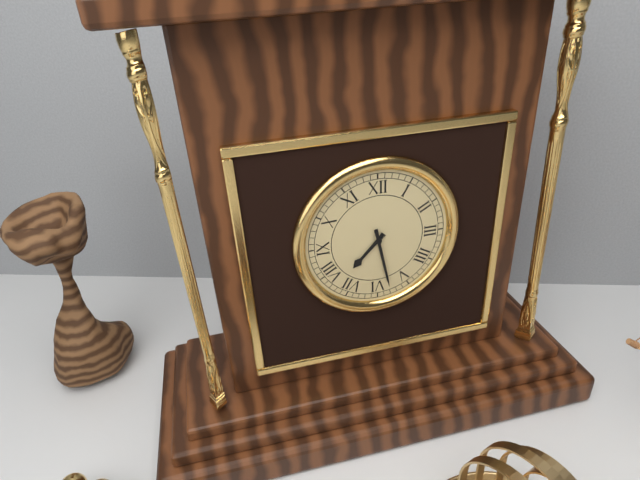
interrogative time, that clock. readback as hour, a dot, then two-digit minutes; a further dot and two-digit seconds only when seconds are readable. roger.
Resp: 7.28
